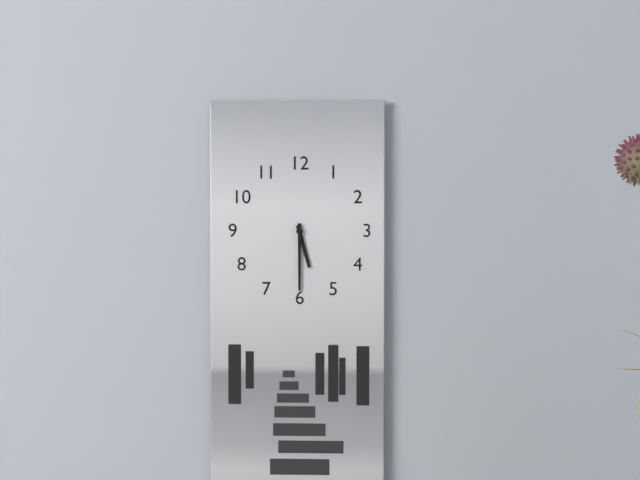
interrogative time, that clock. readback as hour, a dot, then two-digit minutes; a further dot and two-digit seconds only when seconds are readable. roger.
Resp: 5.30
